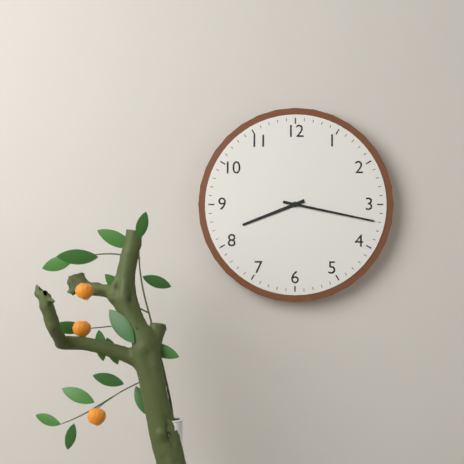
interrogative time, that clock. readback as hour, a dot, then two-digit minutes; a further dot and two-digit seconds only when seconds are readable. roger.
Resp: 8.17
